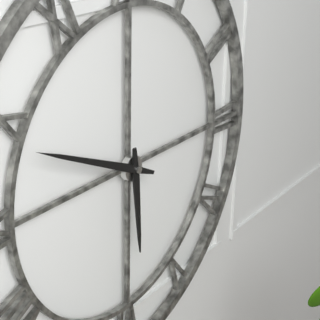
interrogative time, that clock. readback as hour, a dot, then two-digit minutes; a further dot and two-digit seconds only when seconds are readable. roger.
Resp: 5.49
